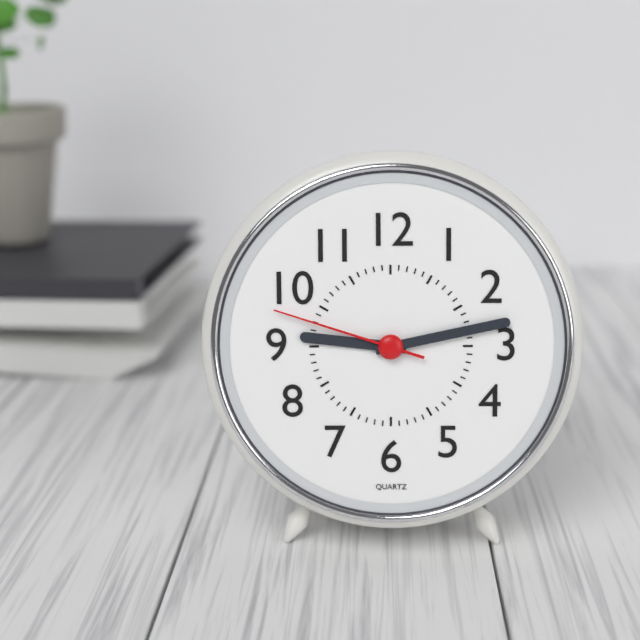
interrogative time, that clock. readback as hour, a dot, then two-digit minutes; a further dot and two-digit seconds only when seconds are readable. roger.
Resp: 9.13.48
